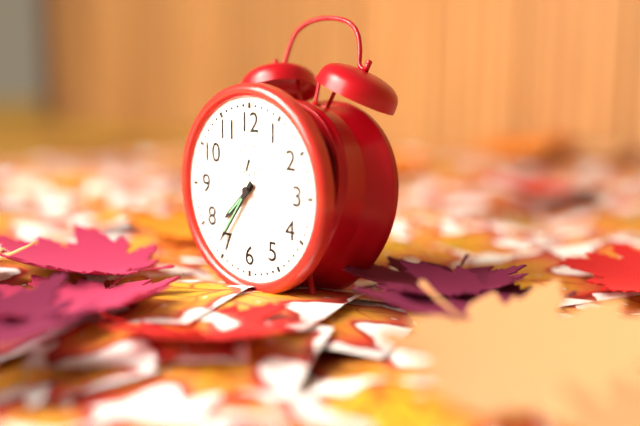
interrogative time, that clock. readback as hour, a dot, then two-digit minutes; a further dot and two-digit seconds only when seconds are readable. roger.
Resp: 7.36
